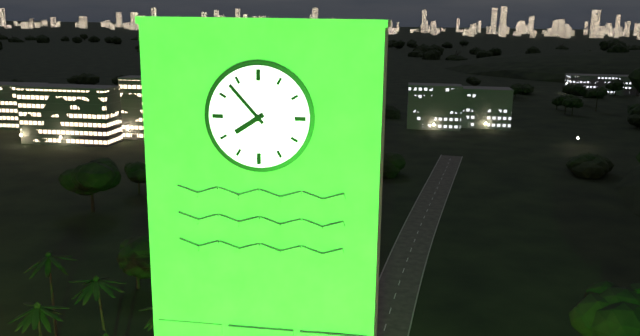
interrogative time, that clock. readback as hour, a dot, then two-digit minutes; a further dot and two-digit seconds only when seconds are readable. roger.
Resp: 7.53
